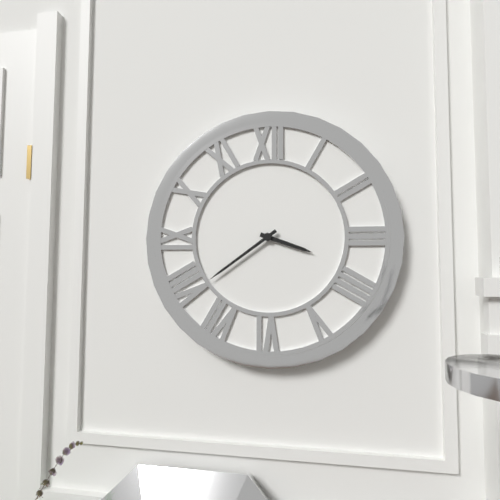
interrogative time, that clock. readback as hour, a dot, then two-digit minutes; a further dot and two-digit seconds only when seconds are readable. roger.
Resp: 3.39
